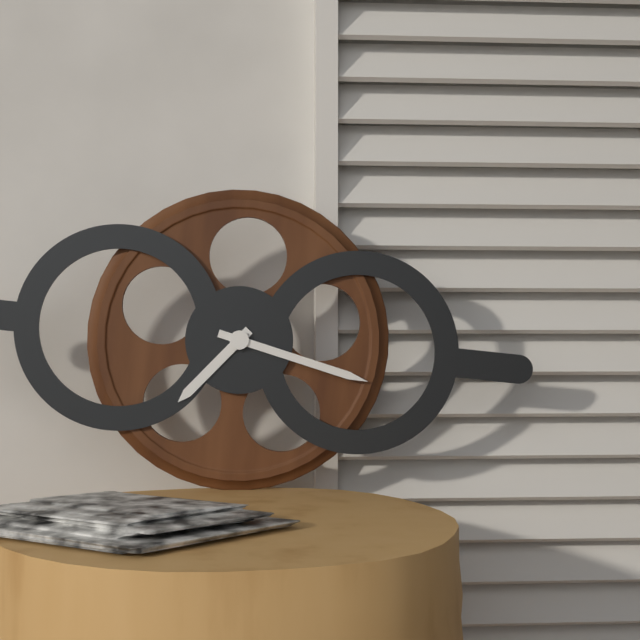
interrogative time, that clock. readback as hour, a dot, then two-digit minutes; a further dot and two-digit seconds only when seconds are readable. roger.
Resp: 7.17
